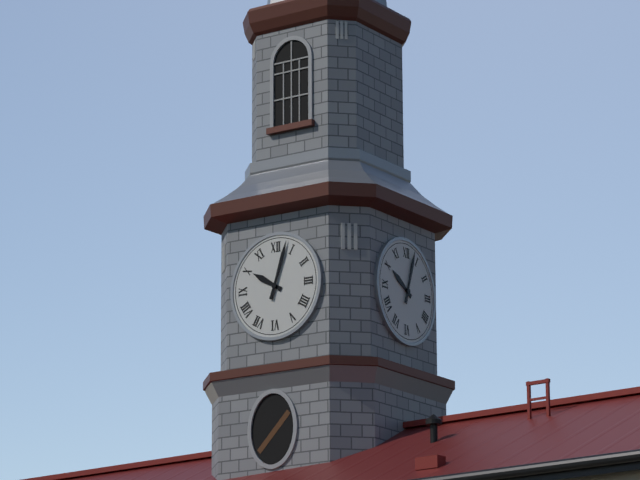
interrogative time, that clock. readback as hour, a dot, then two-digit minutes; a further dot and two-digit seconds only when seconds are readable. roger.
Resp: 10.03
